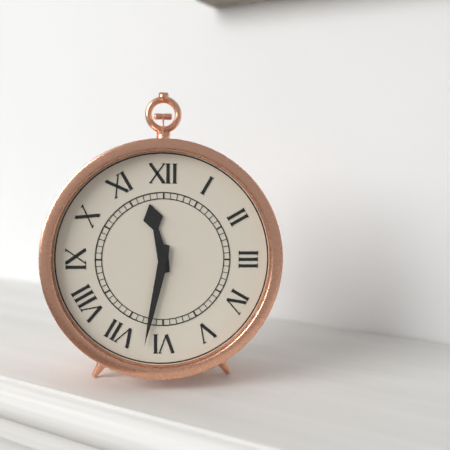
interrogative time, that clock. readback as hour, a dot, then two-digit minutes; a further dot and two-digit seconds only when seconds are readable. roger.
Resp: 11.32
